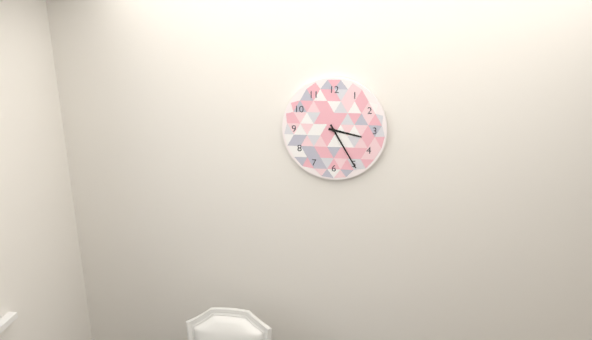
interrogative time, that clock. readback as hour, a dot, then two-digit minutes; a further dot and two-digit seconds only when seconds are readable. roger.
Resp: 3.25
